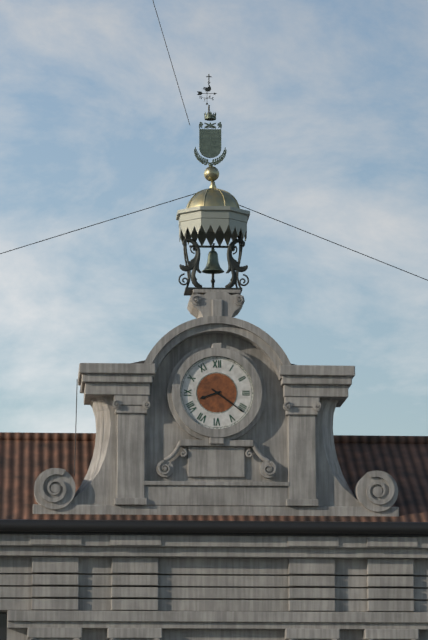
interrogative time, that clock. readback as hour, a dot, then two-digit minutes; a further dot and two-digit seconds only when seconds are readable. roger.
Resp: 8.21
